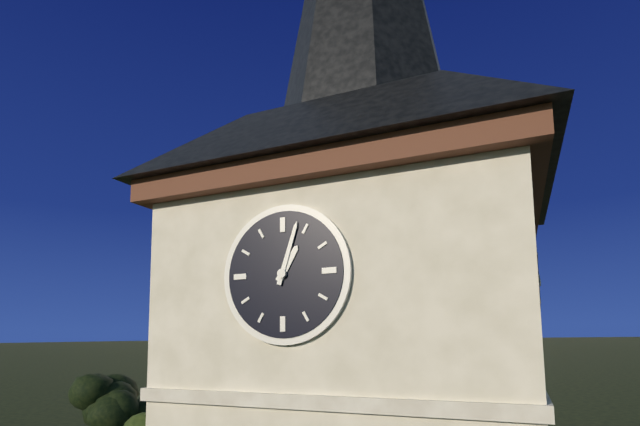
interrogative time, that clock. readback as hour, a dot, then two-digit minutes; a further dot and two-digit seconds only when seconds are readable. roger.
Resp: 1.03
